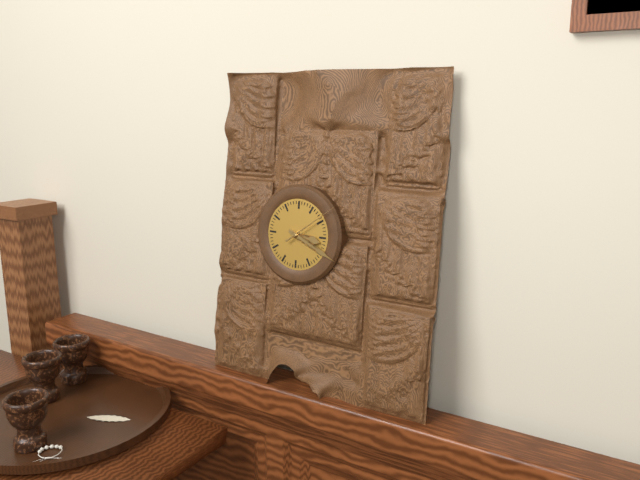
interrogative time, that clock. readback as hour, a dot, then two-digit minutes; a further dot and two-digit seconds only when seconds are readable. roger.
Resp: 3.19.09
